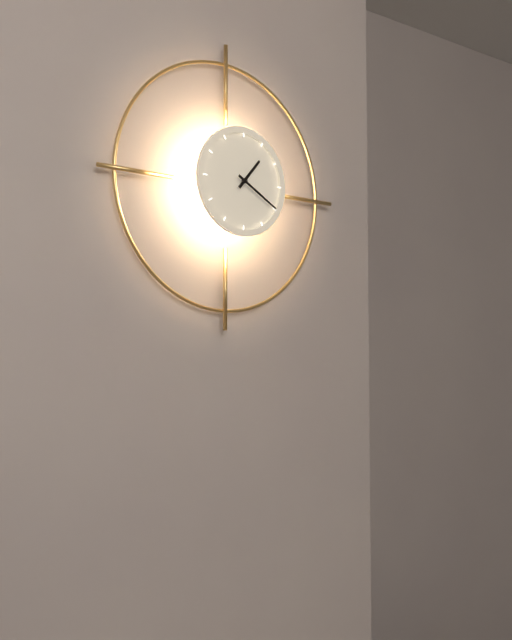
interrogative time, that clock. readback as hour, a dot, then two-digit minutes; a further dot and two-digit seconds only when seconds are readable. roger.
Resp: 1.20
